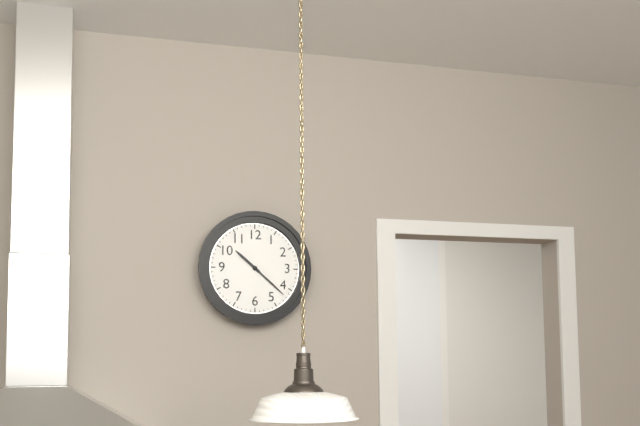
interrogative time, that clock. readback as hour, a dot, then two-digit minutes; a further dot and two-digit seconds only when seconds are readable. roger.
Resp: 10.22
